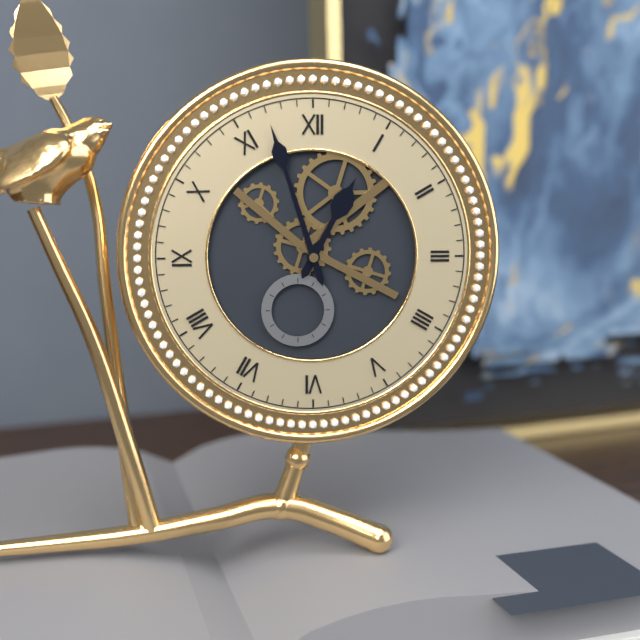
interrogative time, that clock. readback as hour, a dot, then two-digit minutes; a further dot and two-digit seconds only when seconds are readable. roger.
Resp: 12.57
